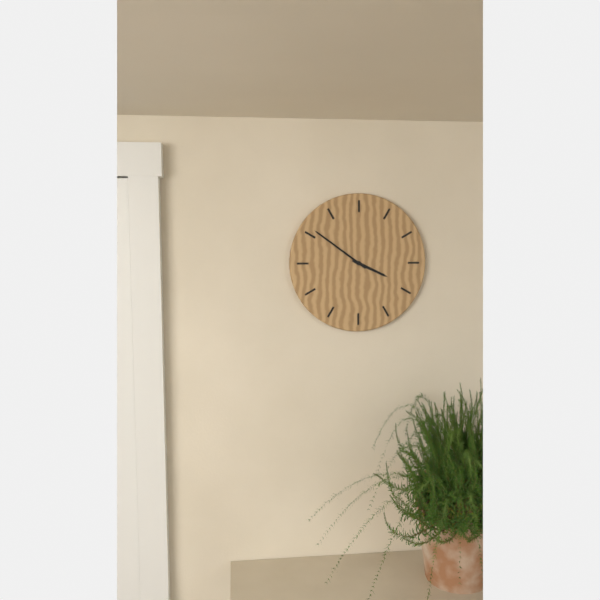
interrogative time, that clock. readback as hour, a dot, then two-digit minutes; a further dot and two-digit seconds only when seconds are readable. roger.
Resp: 3.51
